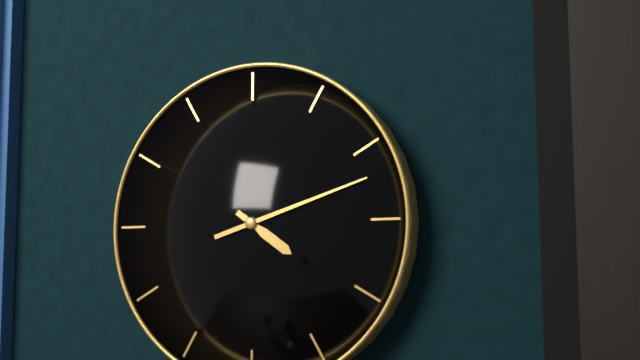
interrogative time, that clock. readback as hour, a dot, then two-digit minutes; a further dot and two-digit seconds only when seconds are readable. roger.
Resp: 4.12
